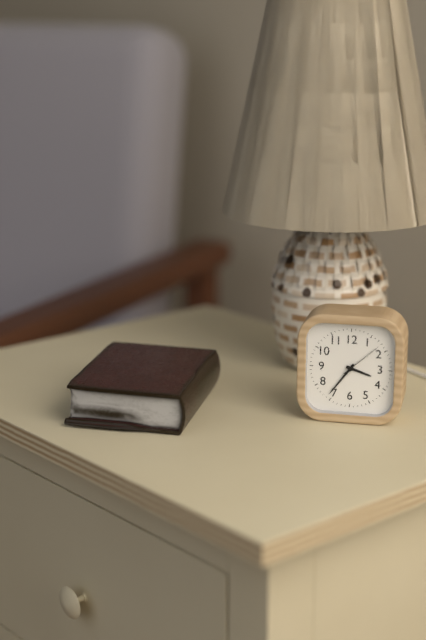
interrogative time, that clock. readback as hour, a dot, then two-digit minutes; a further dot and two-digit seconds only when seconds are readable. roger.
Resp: 3.36
